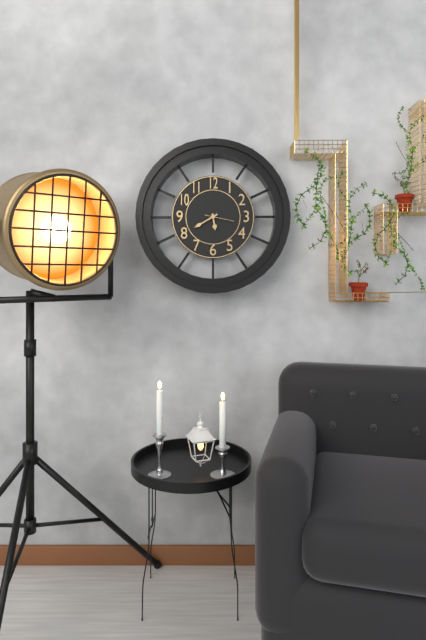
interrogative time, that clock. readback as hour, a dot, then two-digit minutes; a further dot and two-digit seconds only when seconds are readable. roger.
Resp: 5.40
